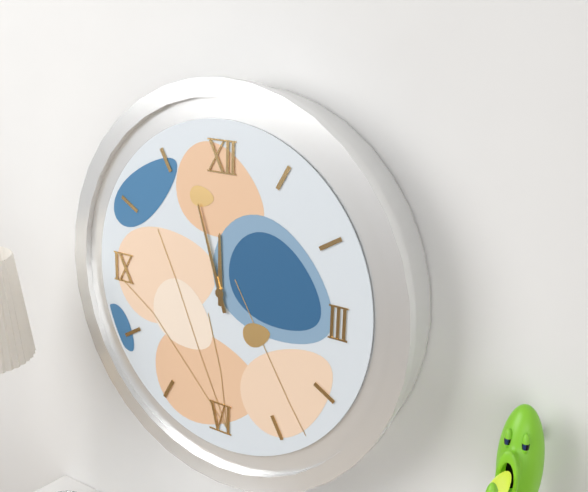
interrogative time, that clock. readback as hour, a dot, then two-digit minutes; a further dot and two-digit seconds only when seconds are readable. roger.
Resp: 11.57
